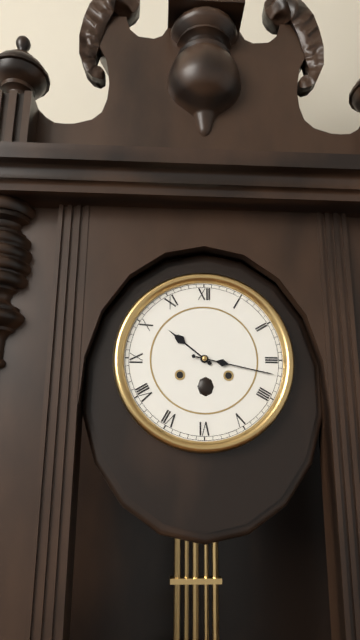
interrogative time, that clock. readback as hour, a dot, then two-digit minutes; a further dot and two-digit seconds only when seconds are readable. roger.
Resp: 10.17
